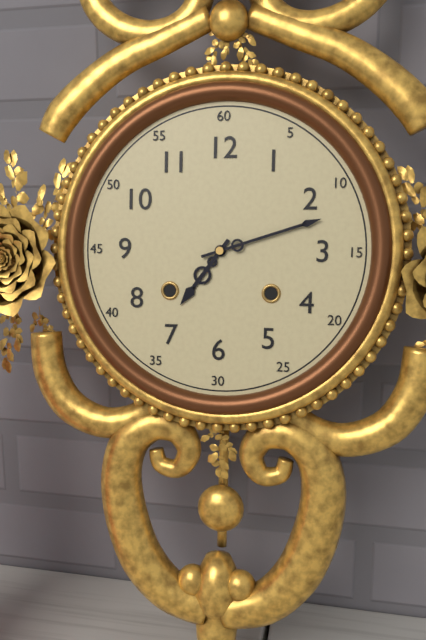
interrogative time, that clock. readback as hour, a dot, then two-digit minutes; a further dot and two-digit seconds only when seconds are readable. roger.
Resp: 7.12
